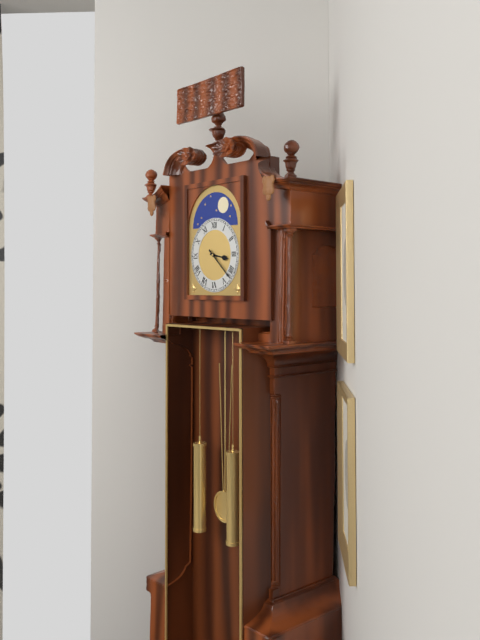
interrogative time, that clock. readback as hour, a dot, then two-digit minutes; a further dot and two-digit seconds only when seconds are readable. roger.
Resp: 3.22
